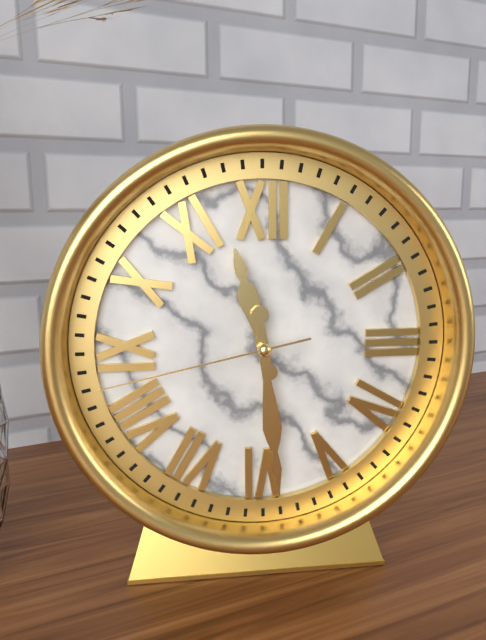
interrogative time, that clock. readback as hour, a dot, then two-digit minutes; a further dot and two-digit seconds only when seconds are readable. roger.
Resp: 11.29.43
